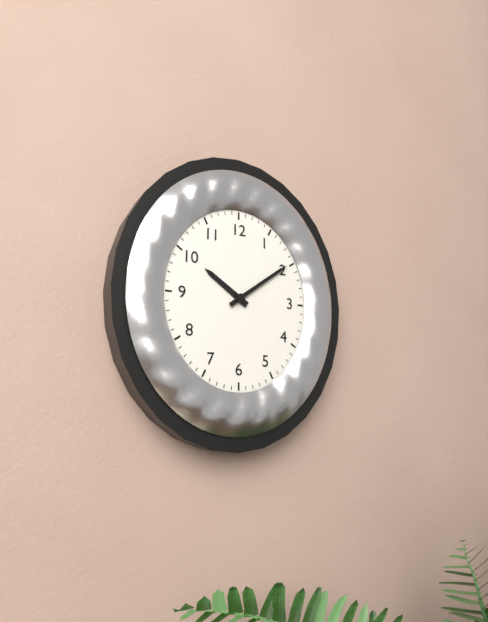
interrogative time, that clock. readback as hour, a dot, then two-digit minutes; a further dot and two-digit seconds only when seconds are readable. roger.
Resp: 10.09
